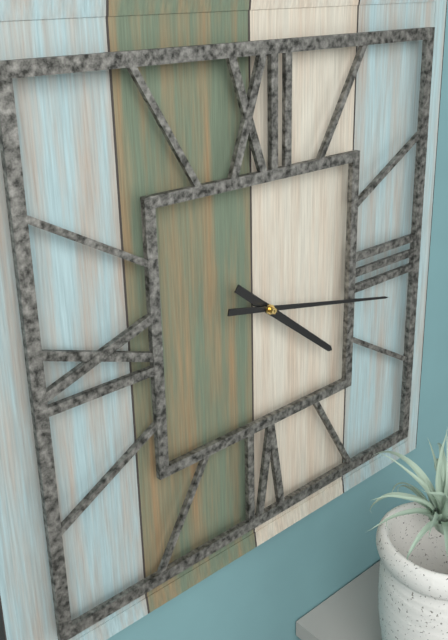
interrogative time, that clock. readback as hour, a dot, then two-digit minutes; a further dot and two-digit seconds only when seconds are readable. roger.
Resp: 4.17
